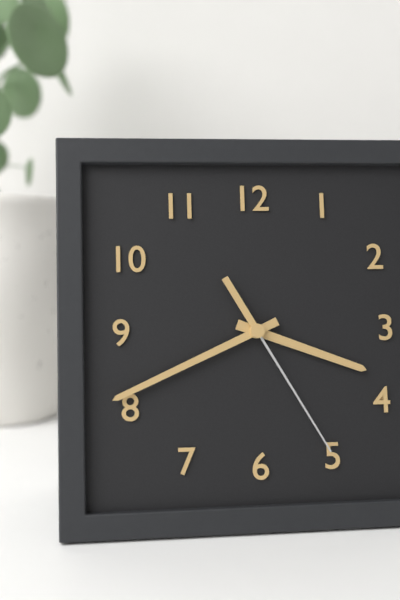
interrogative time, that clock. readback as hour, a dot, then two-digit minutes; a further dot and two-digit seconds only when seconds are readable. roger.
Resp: 3.41.25
